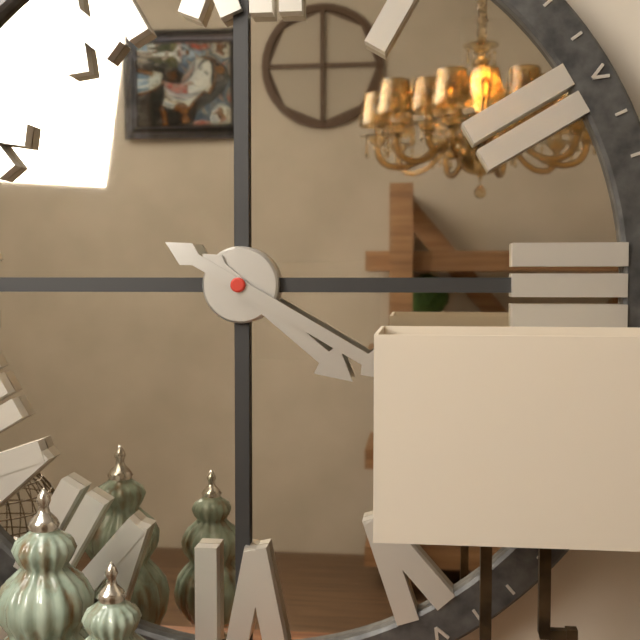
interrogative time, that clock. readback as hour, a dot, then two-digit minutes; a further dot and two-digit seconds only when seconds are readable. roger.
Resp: 4.20
